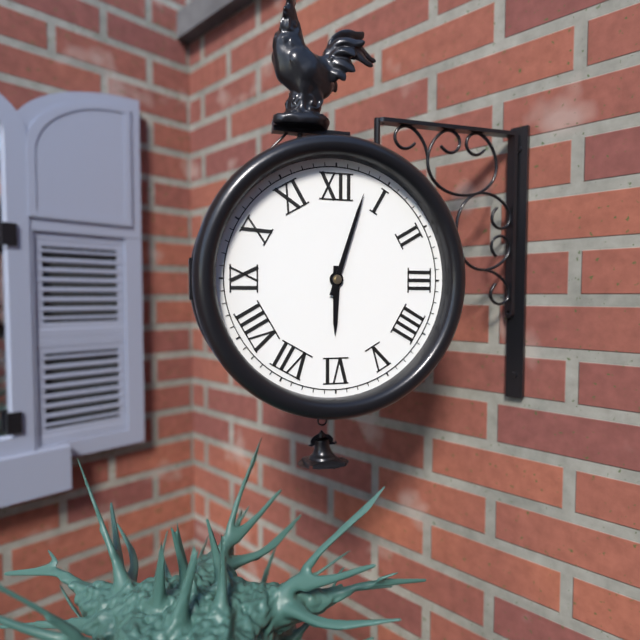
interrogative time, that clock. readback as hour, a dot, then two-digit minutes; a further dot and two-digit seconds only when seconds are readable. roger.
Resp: 6.03
